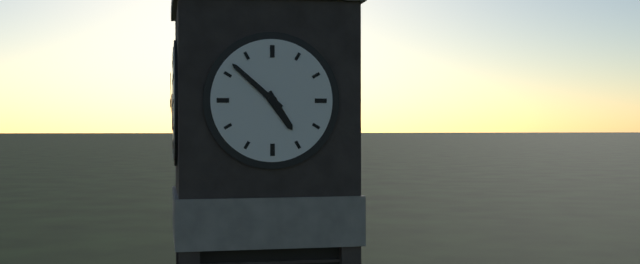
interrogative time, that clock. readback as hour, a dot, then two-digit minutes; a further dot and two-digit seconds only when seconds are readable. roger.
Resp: 4.52
